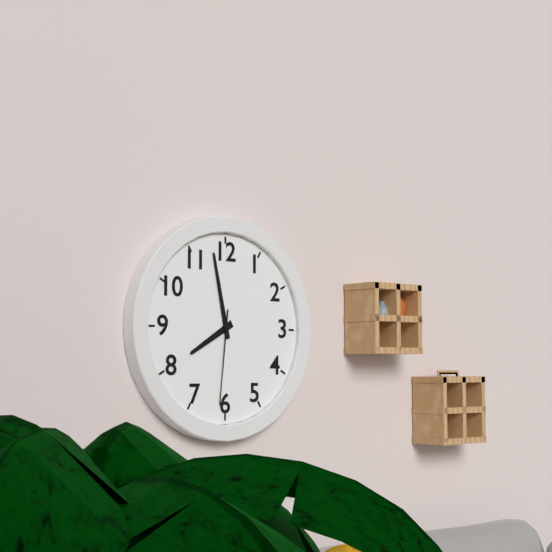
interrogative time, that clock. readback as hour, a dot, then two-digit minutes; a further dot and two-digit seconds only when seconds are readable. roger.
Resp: 7.58.31
